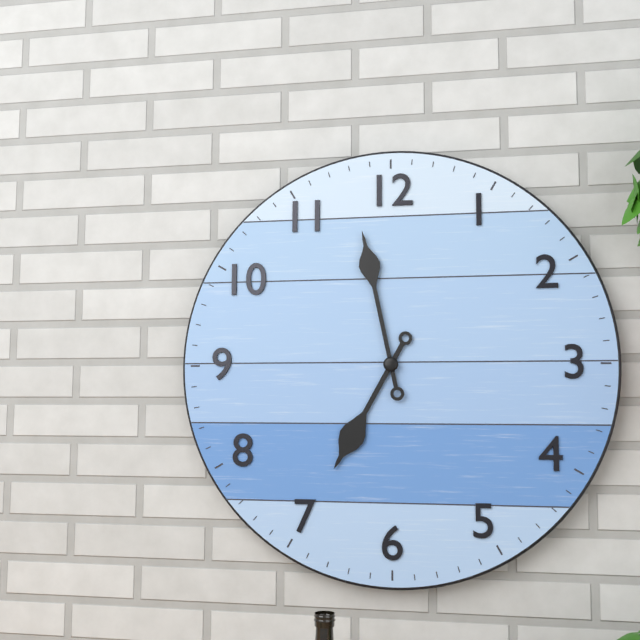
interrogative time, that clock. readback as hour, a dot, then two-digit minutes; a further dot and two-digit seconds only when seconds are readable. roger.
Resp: 6.58
